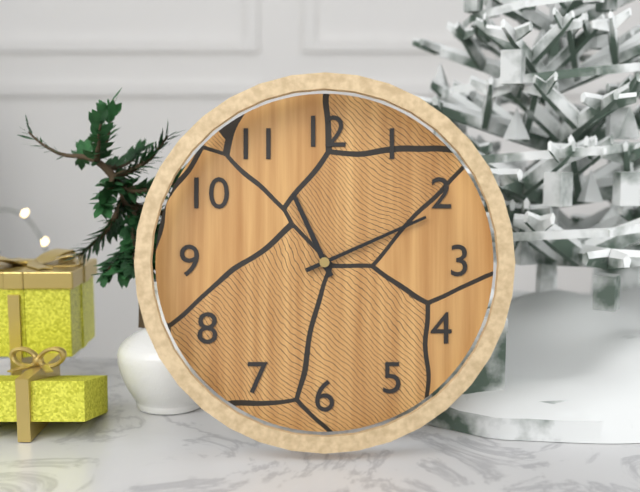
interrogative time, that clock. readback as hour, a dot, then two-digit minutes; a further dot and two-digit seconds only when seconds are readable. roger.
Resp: 11.11
